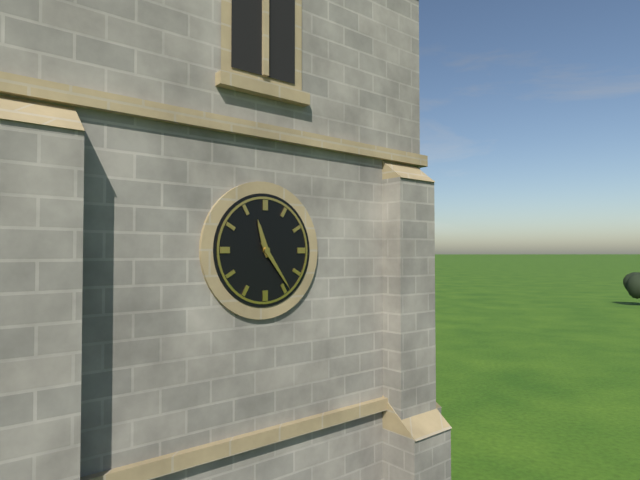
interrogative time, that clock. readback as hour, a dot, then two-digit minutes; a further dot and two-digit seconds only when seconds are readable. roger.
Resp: 11.24
